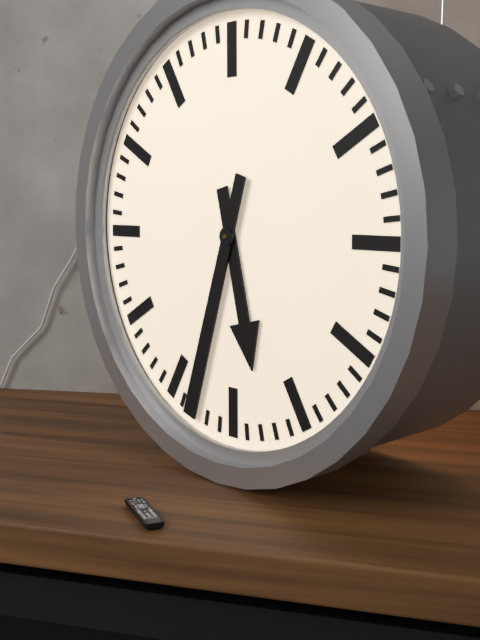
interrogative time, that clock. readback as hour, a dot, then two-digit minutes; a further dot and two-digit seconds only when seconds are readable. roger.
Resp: 5.33
